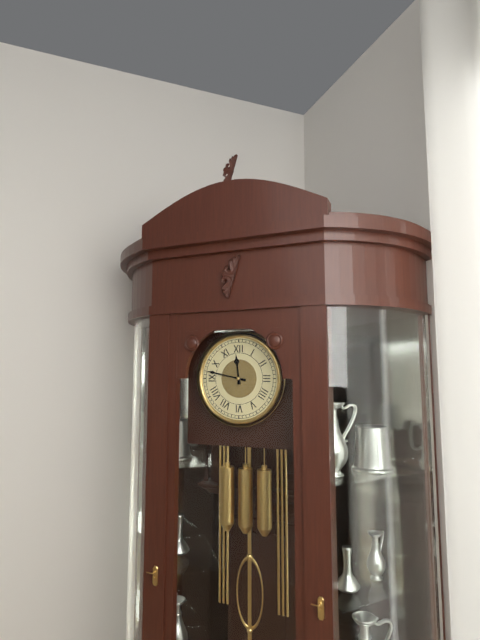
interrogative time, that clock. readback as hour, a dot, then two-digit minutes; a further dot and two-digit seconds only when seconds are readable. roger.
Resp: 11.47
